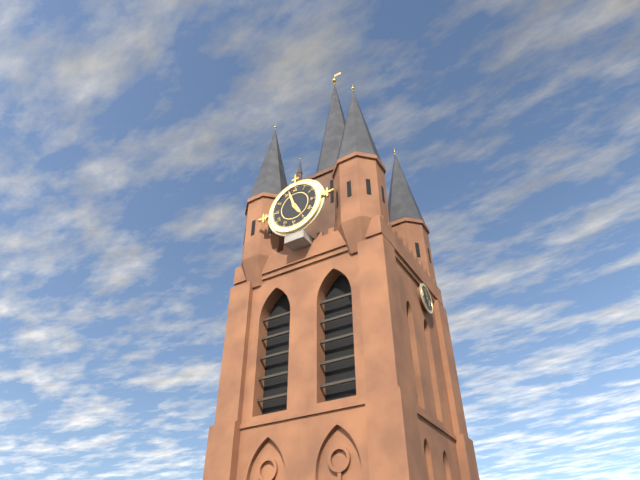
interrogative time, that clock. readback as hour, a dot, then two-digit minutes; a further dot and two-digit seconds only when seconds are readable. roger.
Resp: 4.57
